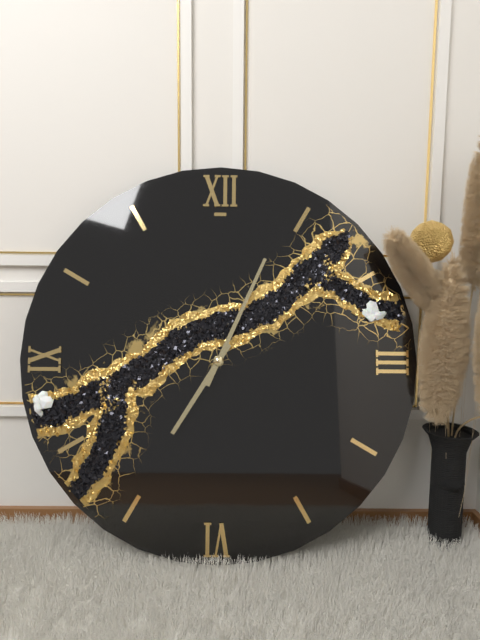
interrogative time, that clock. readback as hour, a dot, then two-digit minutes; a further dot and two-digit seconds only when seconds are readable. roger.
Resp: 7.04
